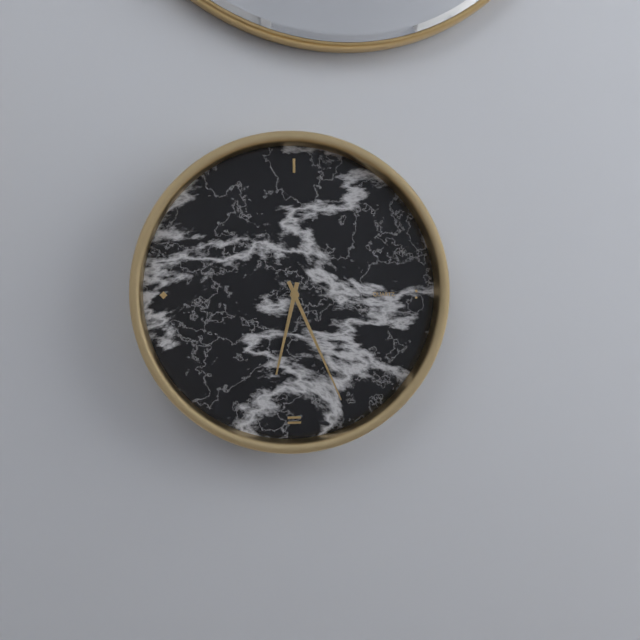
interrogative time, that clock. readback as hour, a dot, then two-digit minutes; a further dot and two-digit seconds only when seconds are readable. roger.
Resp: 6.26
